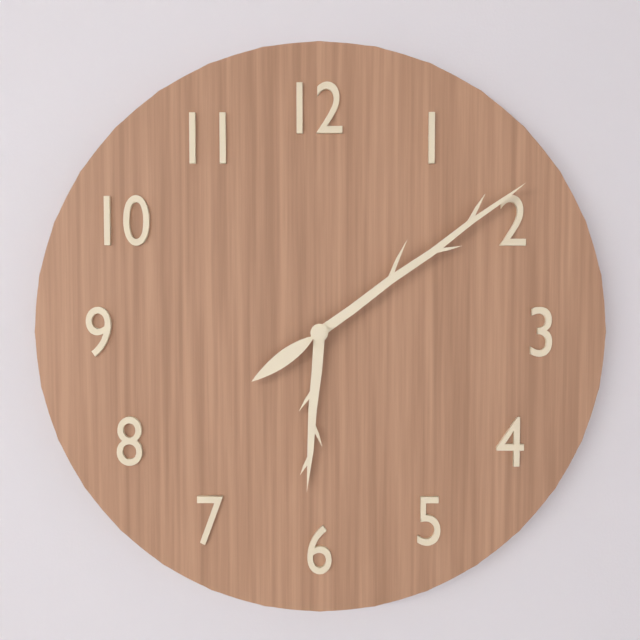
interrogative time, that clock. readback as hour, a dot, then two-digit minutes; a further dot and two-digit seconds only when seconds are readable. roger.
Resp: 6.09
